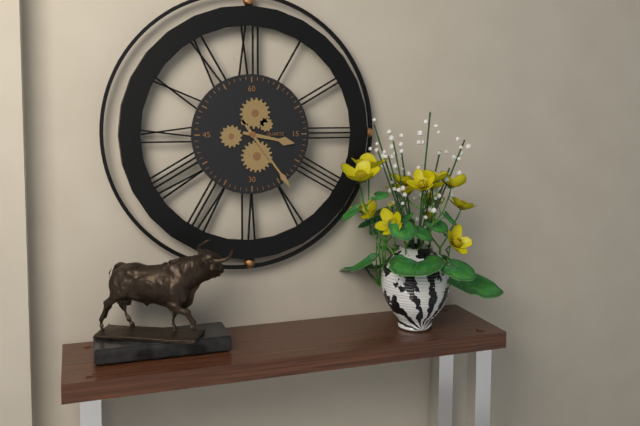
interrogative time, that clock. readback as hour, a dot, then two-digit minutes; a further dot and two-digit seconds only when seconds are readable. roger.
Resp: 3.24
